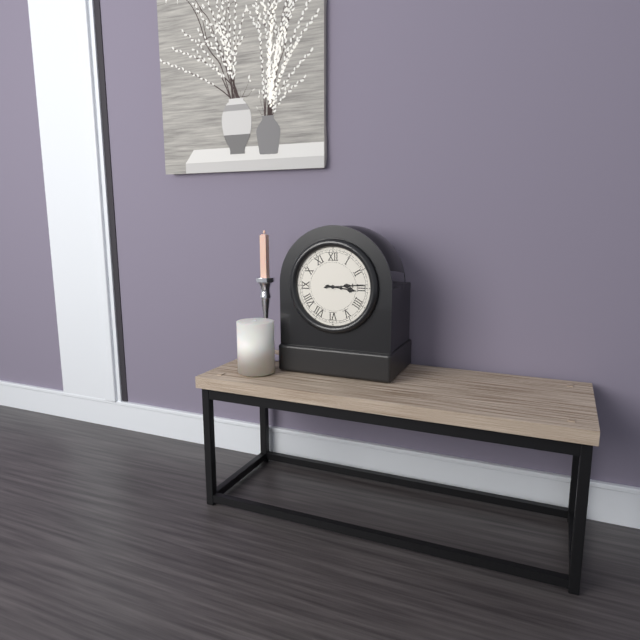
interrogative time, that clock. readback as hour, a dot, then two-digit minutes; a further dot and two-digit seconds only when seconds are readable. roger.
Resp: 3.14
